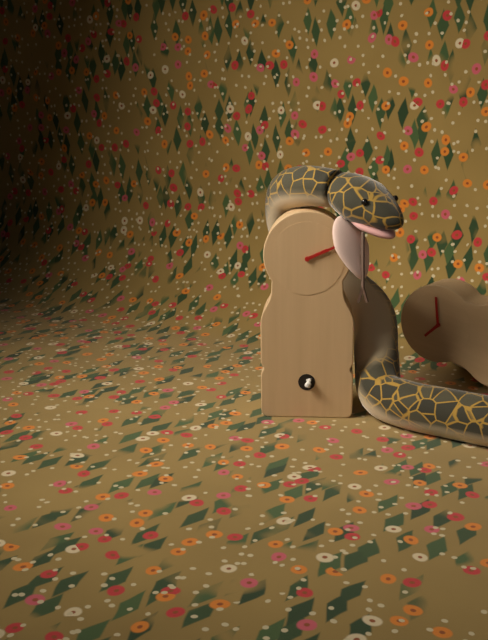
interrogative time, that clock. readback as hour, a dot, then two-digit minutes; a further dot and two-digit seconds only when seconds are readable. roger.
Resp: 2.11
